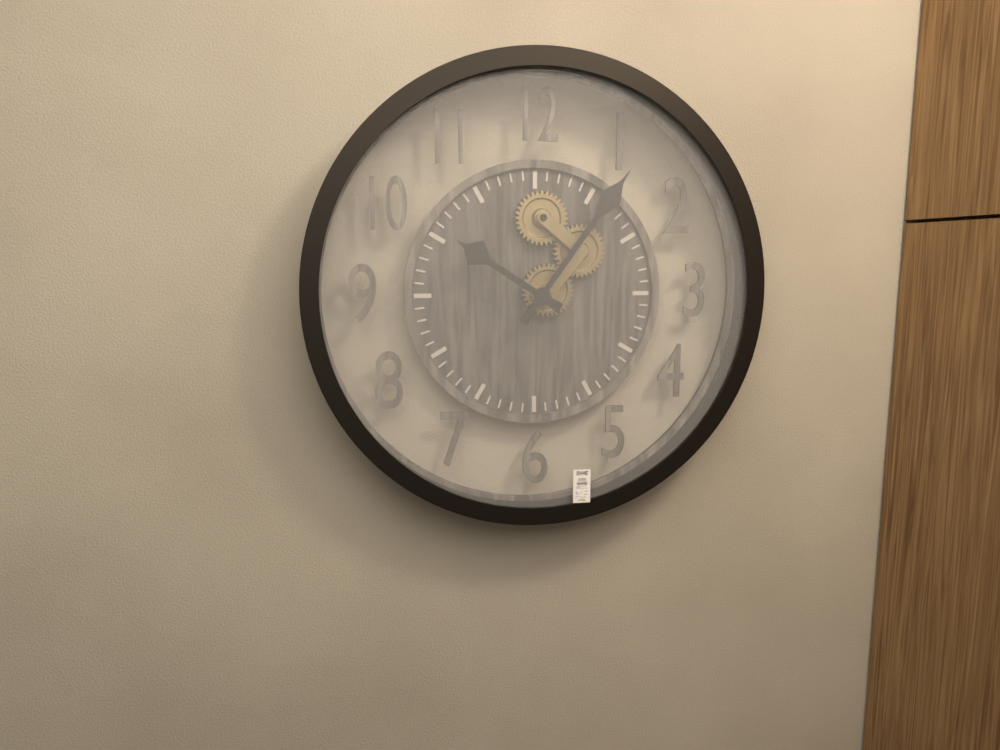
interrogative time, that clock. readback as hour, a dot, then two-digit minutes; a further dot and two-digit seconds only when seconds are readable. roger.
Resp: 10.06
